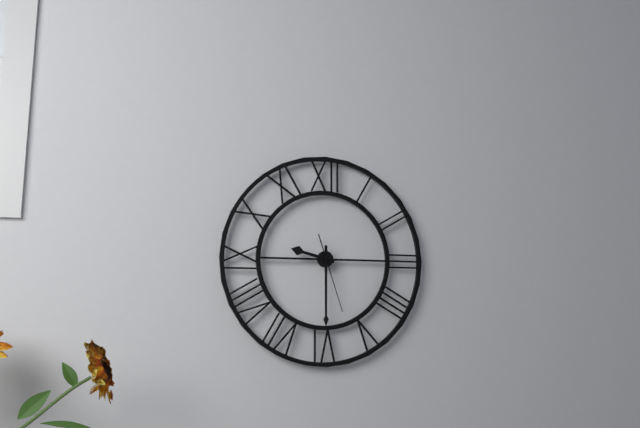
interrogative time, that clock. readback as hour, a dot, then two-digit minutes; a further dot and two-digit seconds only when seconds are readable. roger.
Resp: 9.30.27
